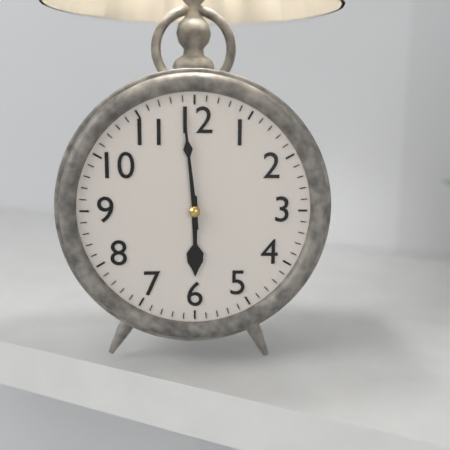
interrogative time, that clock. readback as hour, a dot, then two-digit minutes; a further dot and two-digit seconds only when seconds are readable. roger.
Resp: 5.59
